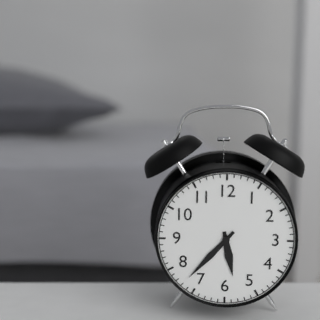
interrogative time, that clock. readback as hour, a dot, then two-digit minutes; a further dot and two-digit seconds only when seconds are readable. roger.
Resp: 5.37
